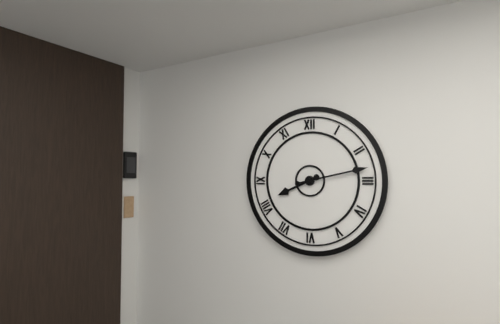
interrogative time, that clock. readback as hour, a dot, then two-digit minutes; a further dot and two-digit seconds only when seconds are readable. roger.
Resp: 8.13
